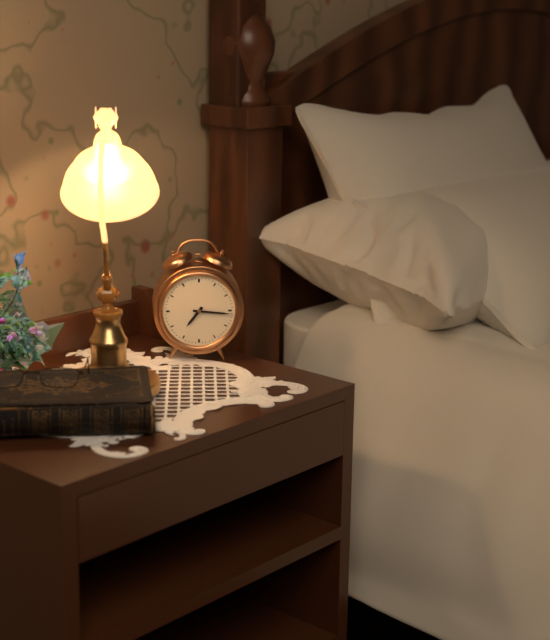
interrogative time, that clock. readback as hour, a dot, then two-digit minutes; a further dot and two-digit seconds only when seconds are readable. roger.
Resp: 7.16
